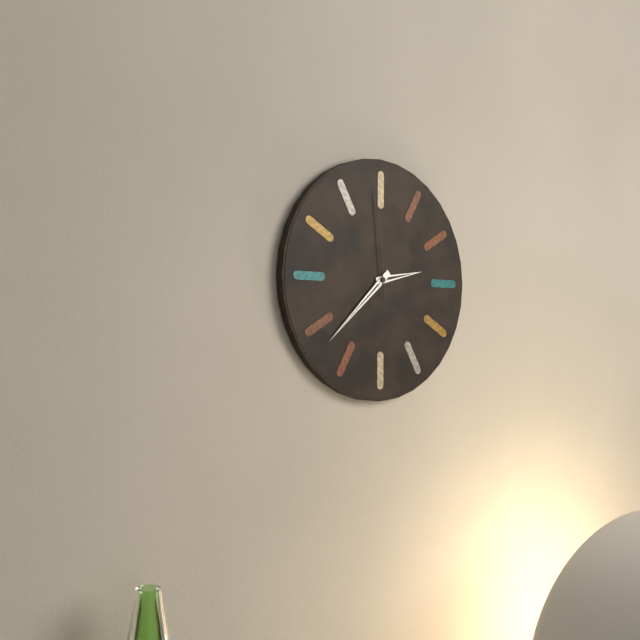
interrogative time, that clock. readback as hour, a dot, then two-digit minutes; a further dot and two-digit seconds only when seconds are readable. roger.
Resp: 2.38.59
